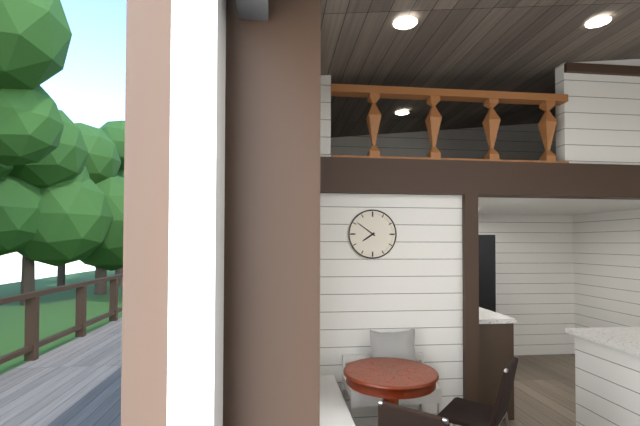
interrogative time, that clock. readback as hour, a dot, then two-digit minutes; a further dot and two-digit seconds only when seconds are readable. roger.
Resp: 7.51
